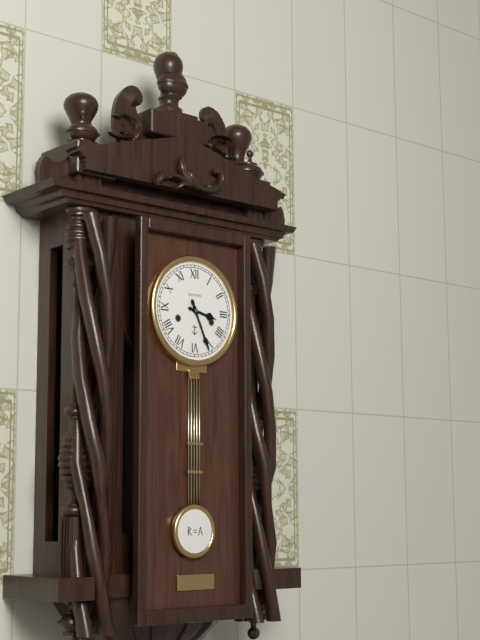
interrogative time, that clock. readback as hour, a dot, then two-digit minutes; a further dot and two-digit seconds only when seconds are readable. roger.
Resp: 3.26
